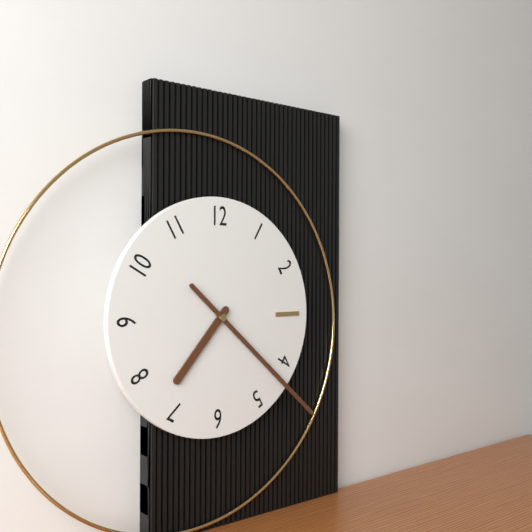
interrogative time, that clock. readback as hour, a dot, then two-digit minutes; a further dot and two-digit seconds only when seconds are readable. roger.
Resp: 7.22
